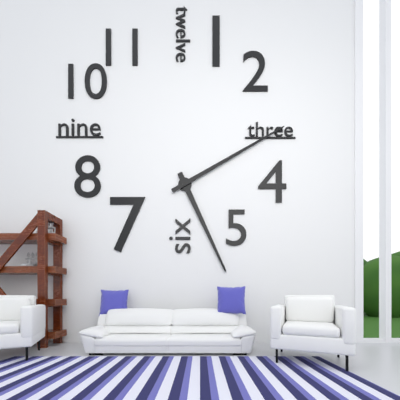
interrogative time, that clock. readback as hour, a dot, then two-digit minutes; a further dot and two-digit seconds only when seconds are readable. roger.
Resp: 5.10
